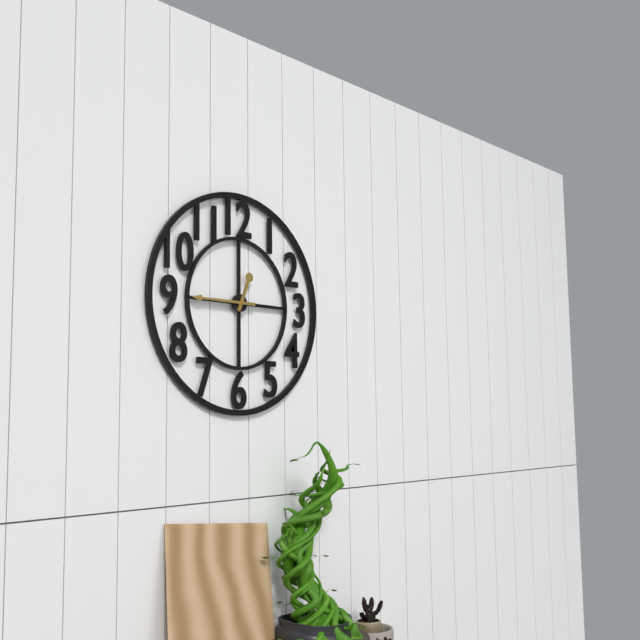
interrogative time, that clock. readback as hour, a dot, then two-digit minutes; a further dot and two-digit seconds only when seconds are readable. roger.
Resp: 12.45
